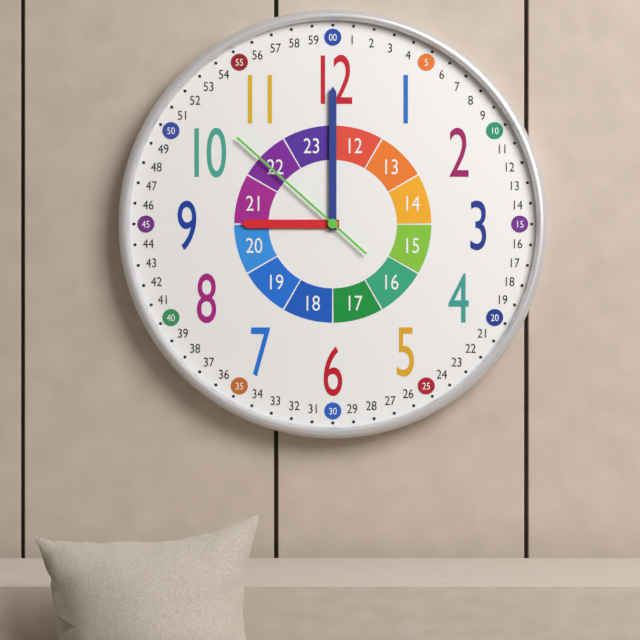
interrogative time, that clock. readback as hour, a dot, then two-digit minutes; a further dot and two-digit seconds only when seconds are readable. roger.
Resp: 9.00.52
